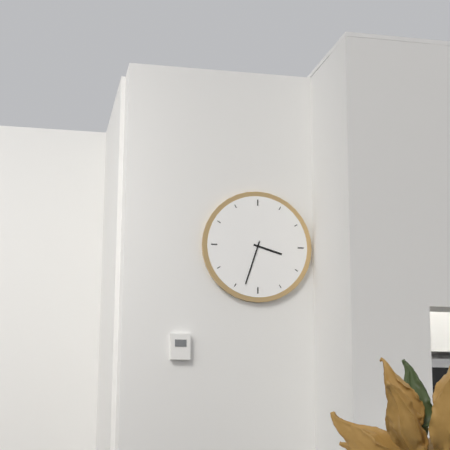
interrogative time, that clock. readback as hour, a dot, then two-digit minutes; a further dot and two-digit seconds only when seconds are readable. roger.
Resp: 3.33
